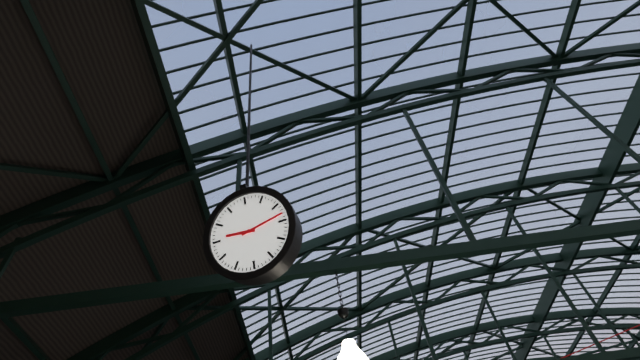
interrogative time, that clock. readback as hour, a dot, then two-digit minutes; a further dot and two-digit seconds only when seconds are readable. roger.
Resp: 9.13
